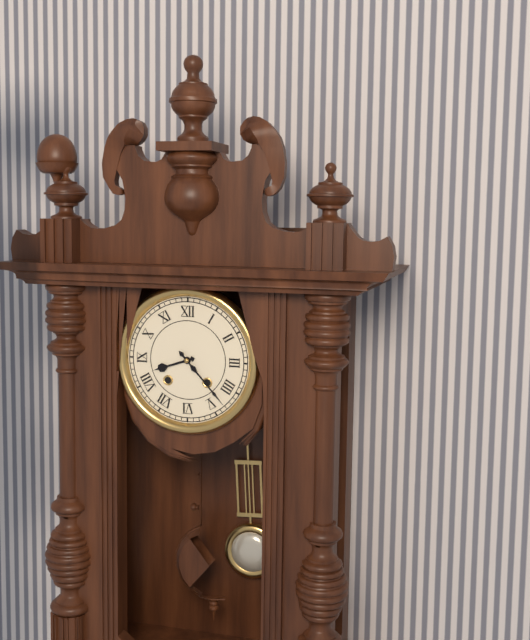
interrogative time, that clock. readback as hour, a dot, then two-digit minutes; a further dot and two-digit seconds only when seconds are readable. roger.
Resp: 8.23
